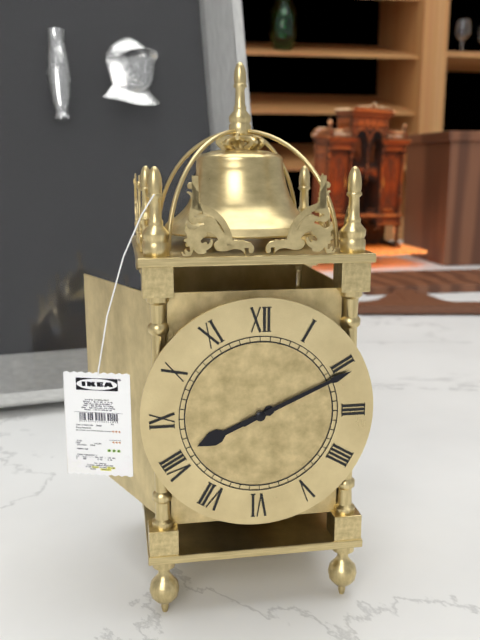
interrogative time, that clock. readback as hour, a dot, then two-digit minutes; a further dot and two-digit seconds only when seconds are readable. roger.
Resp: 8.11
